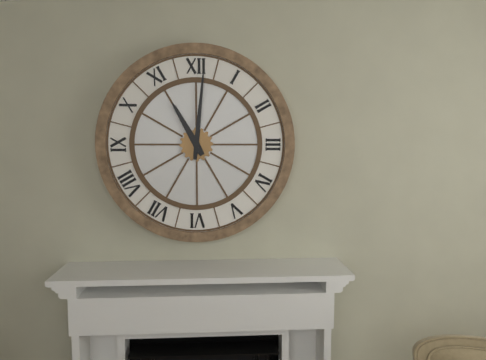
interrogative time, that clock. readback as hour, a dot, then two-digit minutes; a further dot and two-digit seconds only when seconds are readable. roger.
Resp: 11.01
